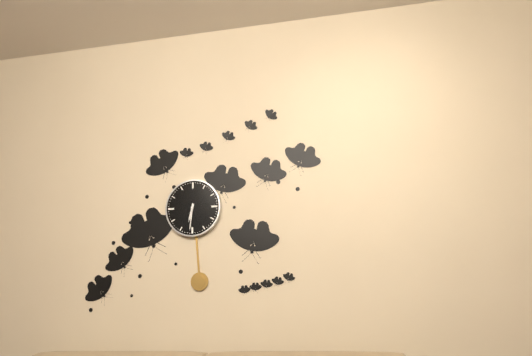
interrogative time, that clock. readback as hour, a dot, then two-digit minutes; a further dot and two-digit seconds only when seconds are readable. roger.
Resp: 6.31
